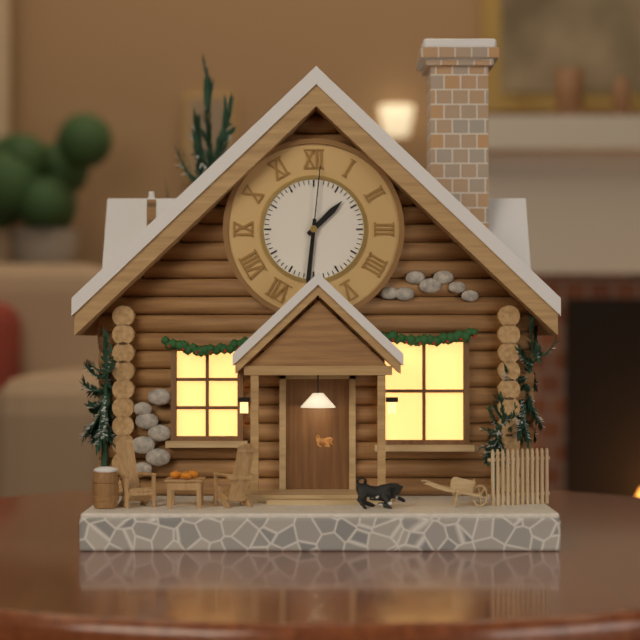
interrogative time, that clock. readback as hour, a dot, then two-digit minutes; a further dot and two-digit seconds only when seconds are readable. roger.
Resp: 1.31.01
